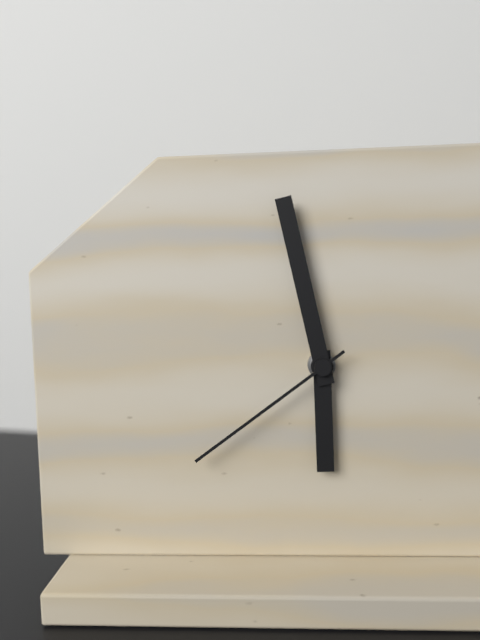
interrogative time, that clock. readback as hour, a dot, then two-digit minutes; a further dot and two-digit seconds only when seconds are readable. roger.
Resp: 5.58.39
